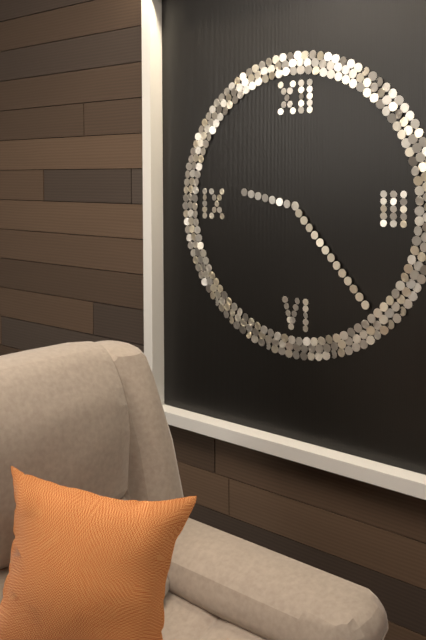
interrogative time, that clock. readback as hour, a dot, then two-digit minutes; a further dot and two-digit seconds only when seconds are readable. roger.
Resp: 9.23
